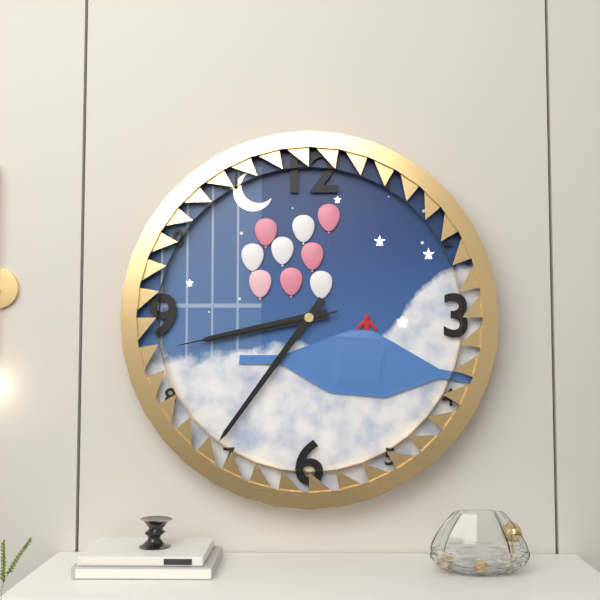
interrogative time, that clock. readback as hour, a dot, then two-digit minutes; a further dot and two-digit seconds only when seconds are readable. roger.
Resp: 8.36.43
